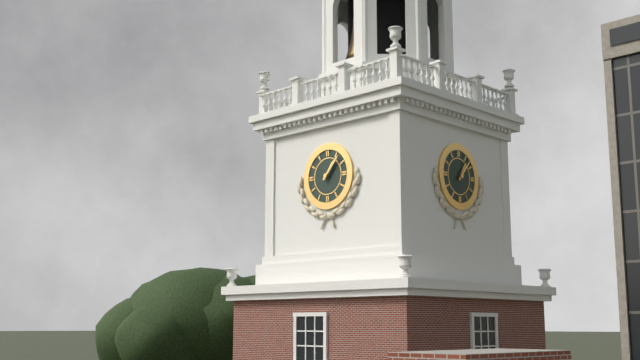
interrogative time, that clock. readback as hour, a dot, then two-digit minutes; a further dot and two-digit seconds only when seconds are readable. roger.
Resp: 1.07
